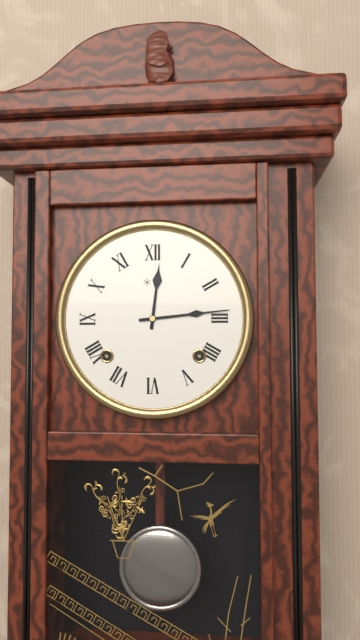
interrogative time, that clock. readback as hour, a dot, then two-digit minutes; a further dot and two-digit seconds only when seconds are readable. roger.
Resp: 12.14
